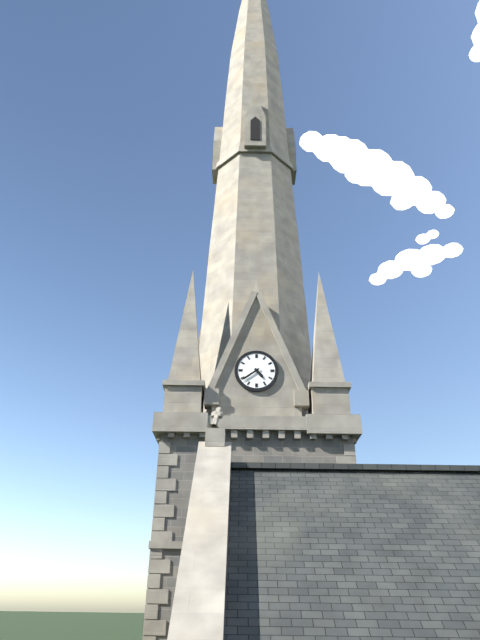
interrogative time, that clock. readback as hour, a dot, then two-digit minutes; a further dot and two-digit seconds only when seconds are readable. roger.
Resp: 4.39
